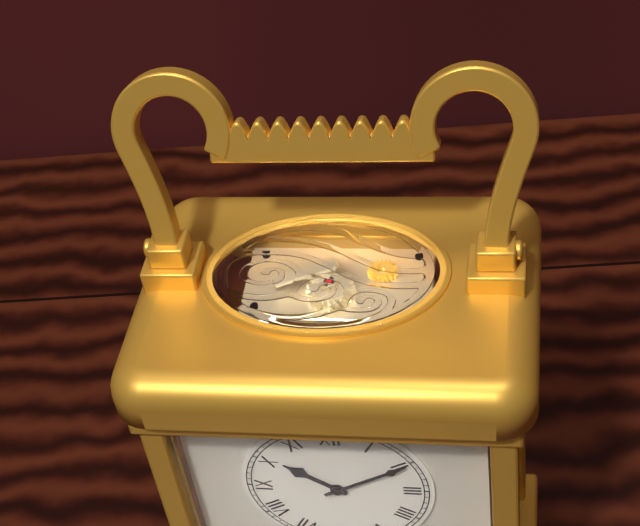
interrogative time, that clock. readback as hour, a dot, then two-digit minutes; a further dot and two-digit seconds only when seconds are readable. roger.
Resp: 10.10
